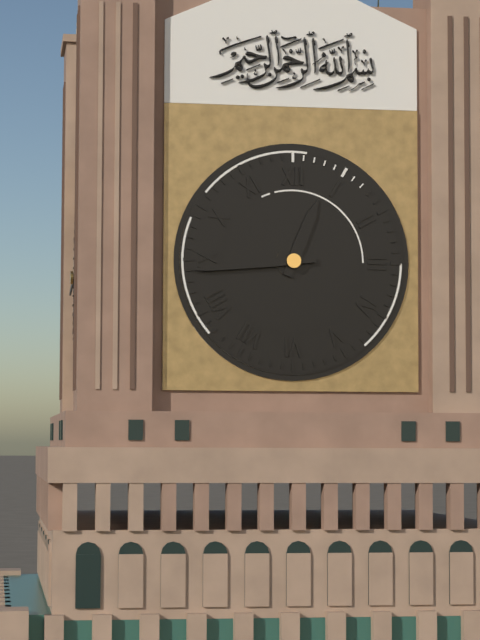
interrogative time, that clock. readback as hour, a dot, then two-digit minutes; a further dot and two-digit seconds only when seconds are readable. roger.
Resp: 12.44
